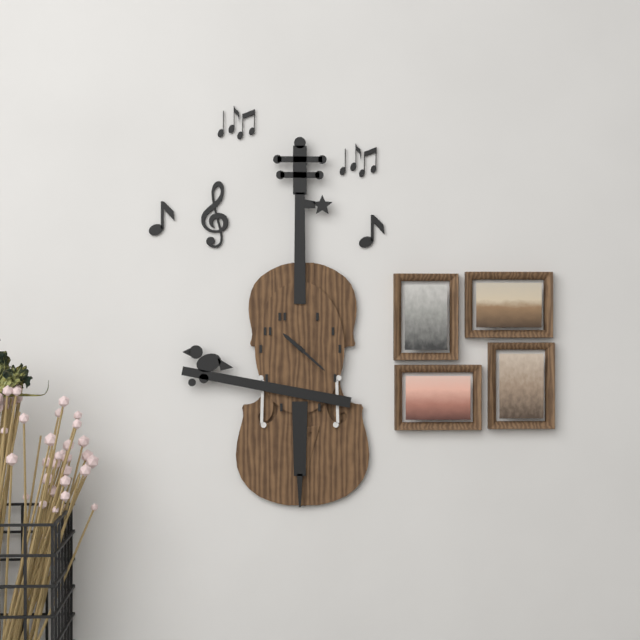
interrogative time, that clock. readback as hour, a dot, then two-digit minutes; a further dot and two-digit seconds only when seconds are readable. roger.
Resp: 10.22
